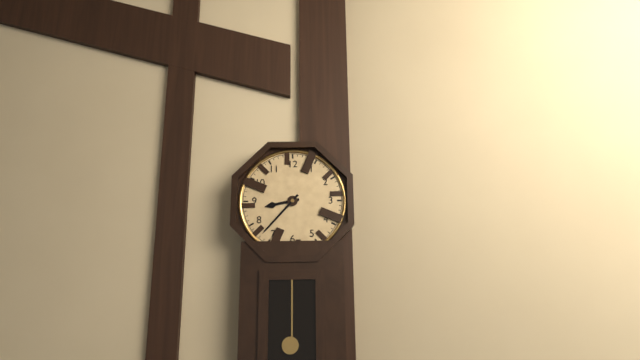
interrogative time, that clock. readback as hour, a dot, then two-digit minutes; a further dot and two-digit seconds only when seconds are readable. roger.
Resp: 8.37
